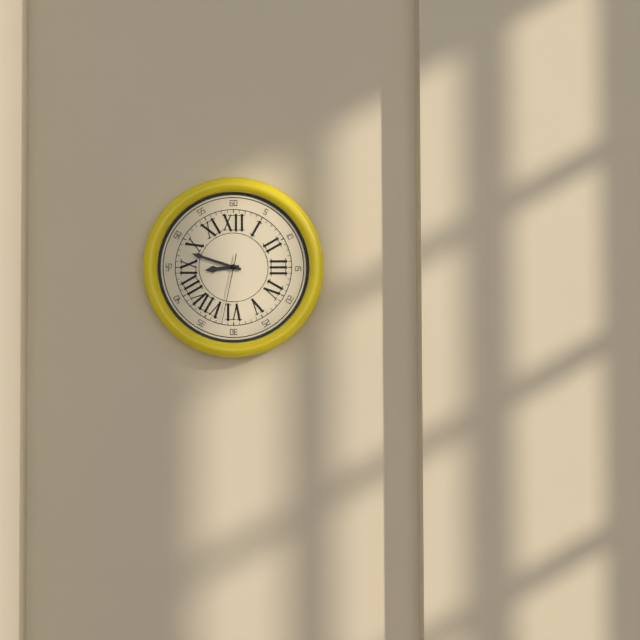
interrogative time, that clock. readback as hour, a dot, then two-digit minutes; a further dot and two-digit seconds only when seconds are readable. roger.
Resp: 8.48.32
